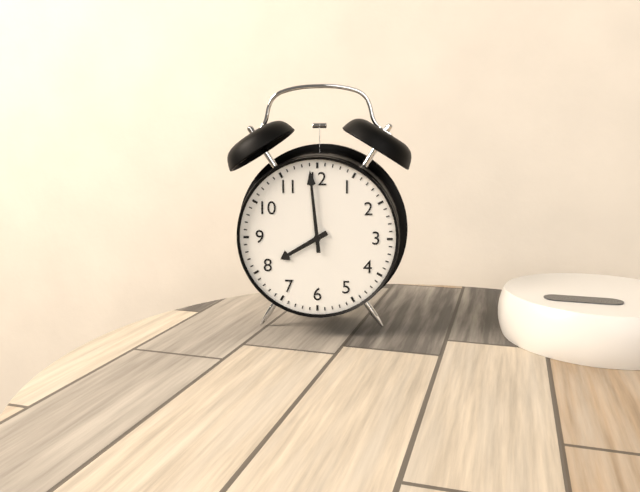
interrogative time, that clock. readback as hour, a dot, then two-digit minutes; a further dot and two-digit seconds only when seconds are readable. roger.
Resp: 7.59
